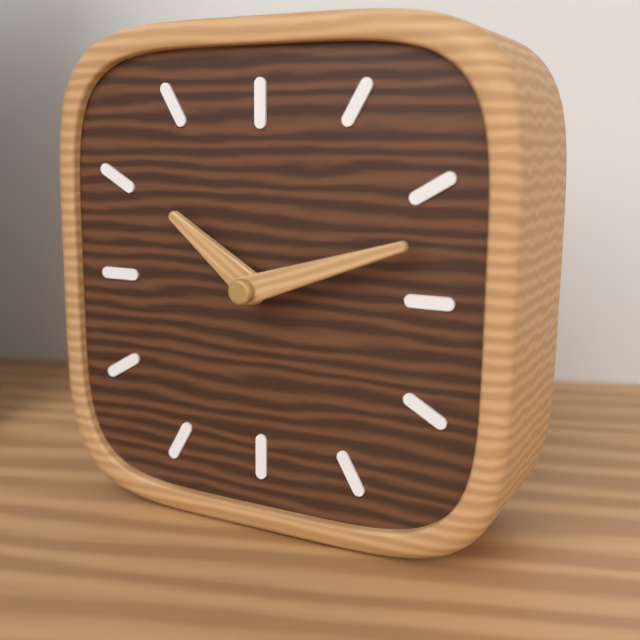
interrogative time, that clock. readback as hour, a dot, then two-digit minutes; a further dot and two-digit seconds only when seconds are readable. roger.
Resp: 10.12
